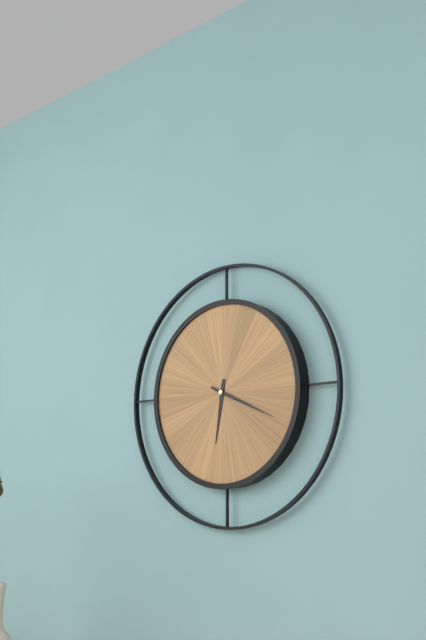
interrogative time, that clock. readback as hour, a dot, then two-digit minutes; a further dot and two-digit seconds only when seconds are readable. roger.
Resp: 6.19
